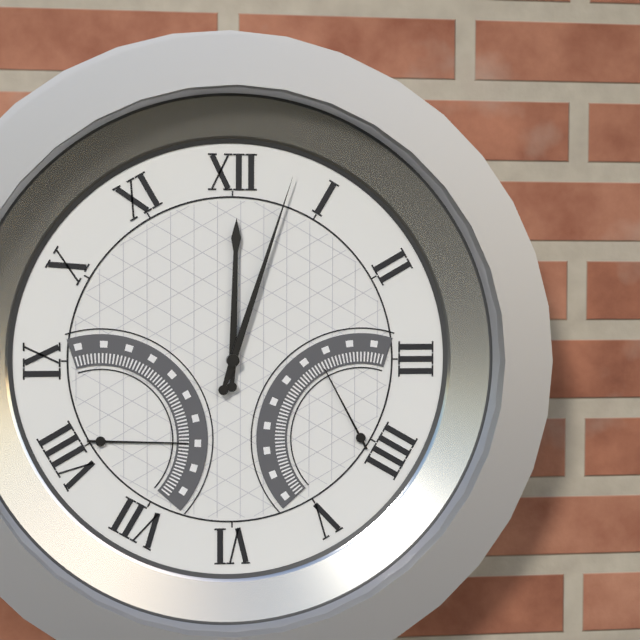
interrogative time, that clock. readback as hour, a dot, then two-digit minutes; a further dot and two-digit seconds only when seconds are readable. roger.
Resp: 12.03
